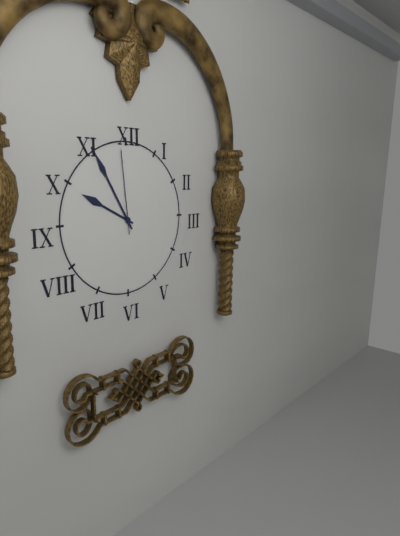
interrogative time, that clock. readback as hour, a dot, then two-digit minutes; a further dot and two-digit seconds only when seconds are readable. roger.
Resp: 9.55.59
